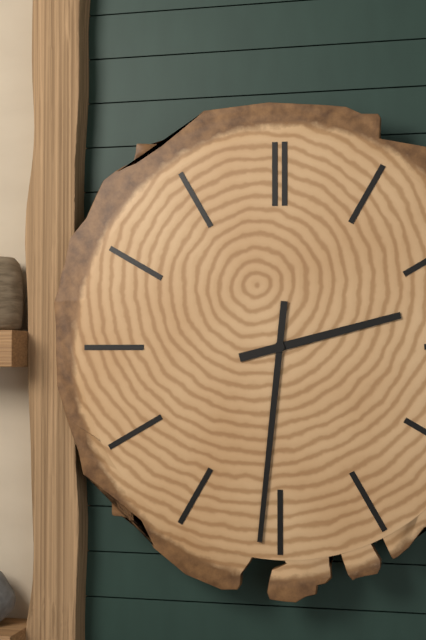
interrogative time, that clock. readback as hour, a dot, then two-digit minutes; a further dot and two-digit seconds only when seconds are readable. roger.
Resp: 2.31
